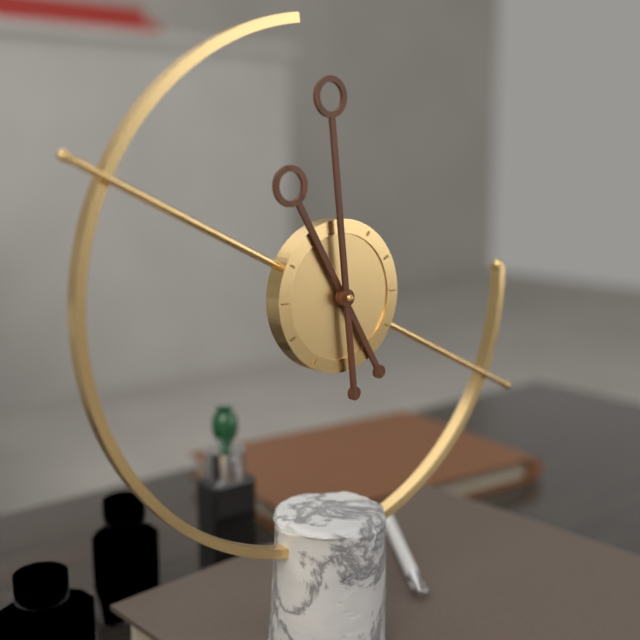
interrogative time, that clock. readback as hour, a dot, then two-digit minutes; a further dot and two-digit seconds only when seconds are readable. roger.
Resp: 10.59
